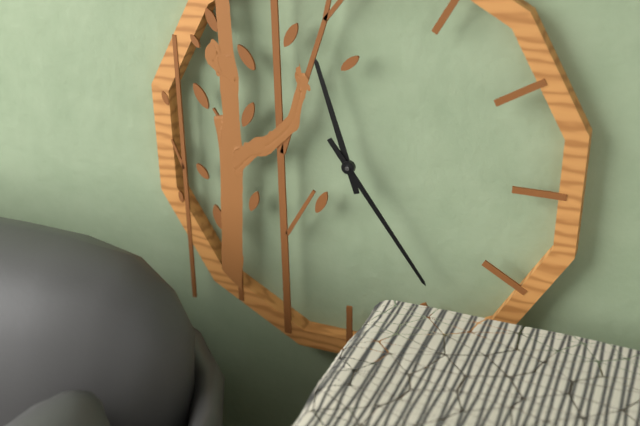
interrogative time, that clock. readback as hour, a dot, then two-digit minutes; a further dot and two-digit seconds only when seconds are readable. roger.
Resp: 11.24
